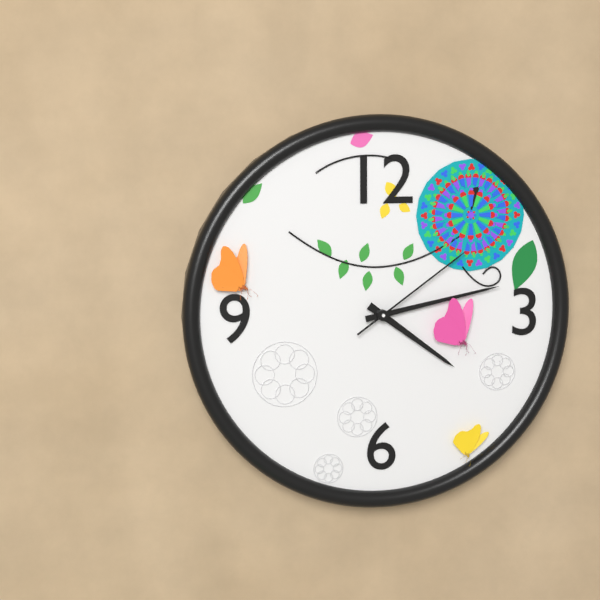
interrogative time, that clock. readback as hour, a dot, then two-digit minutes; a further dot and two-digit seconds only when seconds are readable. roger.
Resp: 4.13.09
